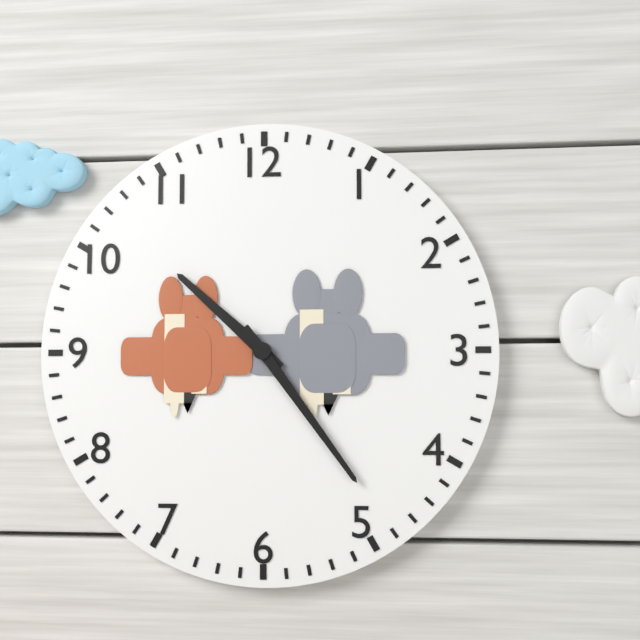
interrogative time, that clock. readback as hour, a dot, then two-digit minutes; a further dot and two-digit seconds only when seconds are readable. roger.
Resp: 10.24
